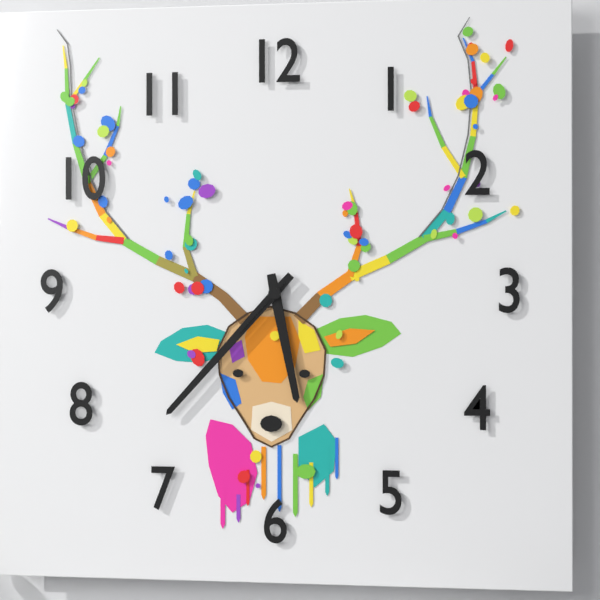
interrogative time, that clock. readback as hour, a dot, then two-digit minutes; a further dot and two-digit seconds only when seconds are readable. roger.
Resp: 5.37.37
